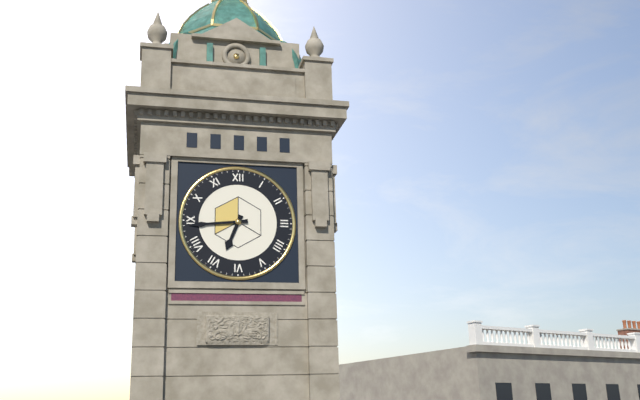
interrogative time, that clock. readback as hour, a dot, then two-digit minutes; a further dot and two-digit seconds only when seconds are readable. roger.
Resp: 6.44
